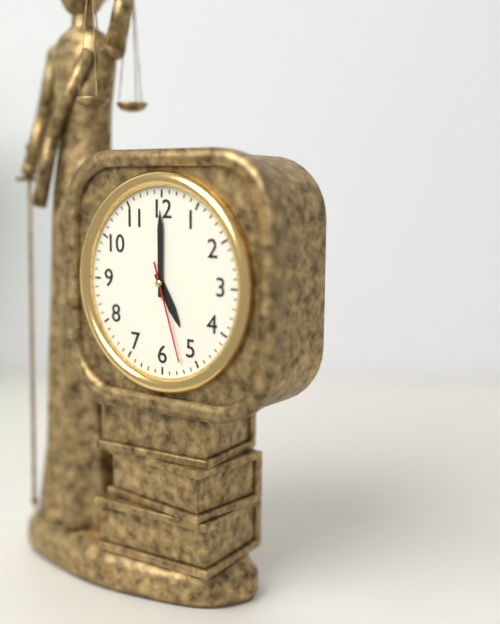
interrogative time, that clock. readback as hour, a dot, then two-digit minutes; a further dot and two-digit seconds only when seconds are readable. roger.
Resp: 5.00.27
